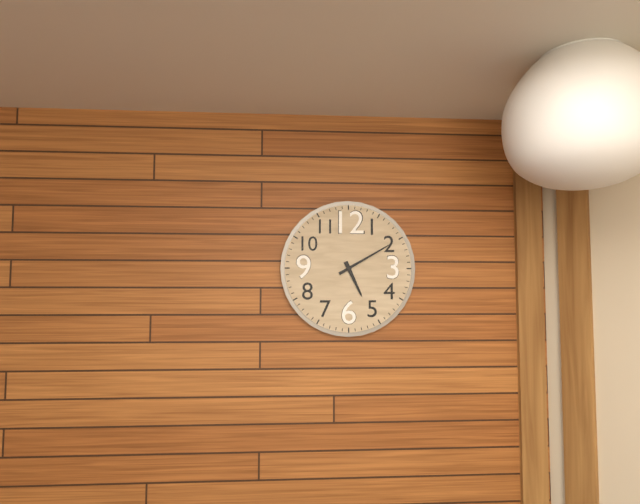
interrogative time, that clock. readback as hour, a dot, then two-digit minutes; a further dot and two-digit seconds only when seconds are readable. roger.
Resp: 5.10
